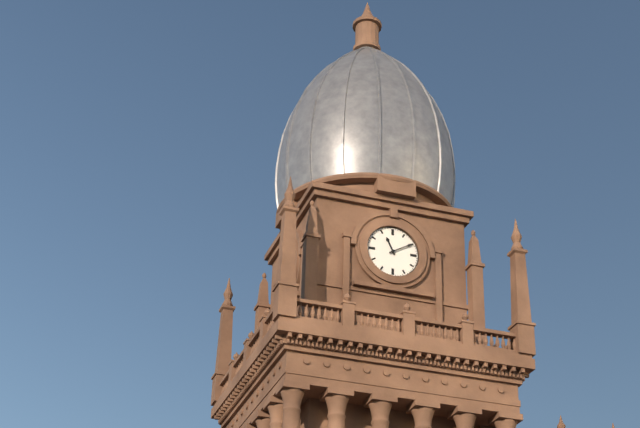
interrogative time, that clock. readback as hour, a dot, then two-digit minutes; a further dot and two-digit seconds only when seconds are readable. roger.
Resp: 11.10
